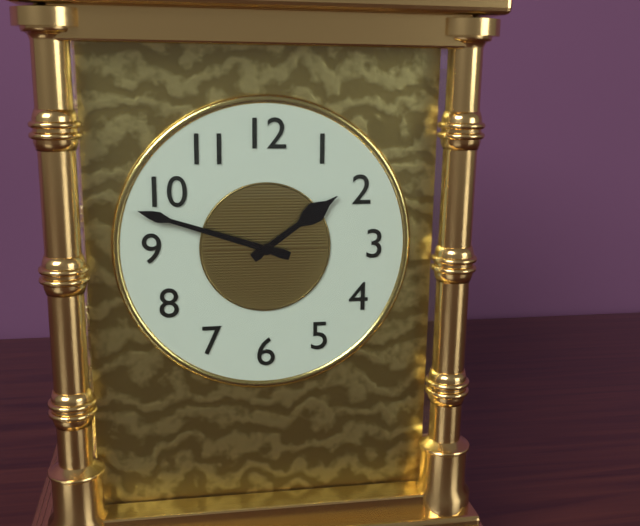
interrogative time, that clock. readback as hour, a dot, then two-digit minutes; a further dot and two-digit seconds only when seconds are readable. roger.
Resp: 1.48
